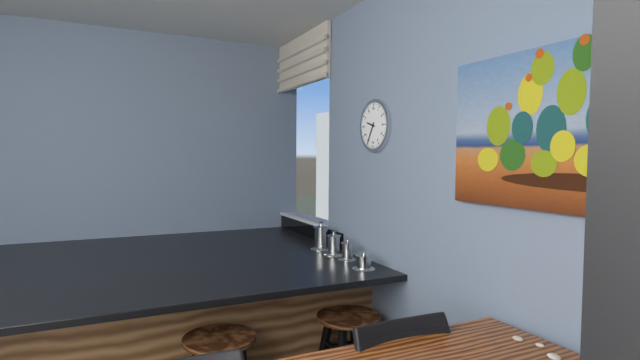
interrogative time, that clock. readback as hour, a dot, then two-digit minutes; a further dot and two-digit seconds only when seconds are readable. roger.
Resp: 9.35
